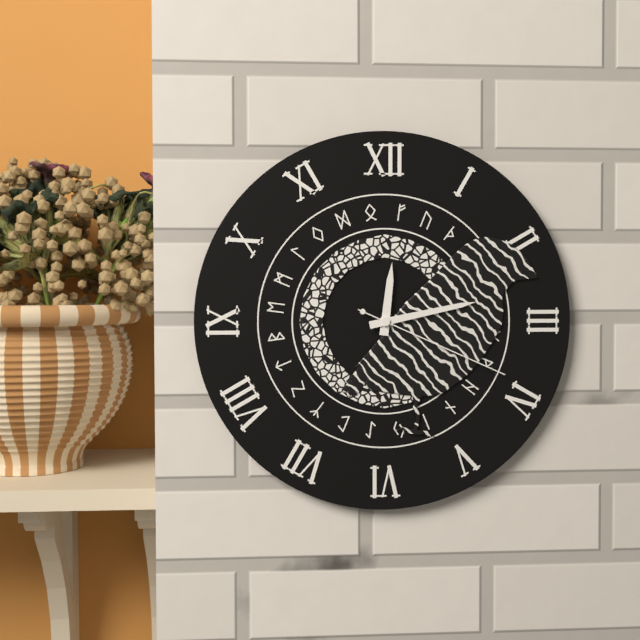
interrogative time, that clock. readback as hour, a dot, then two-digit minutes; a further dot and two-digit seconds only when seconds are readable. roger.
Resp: 12.13.19
